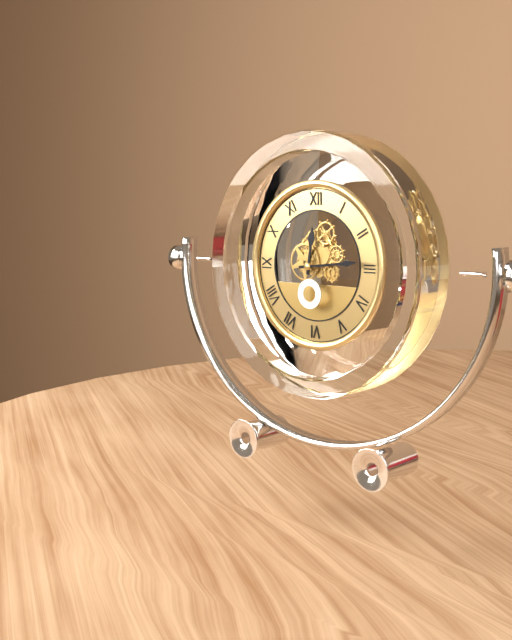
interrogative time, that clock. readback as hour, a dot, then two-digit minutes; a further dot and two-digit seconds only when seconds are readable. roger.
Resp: 12.14
